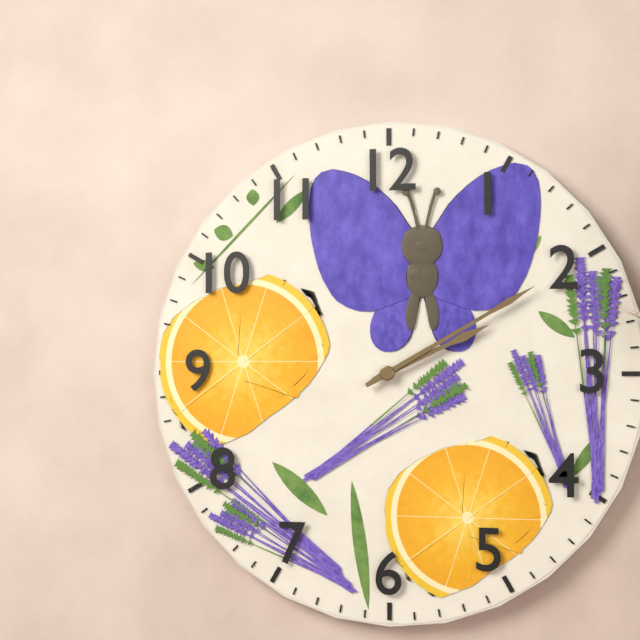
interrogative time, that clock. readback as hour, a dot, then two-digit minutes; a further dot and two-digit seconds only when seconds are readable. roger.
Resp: 2.10
